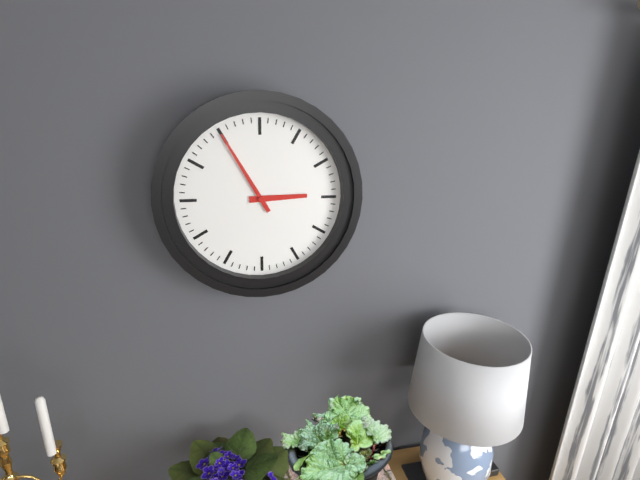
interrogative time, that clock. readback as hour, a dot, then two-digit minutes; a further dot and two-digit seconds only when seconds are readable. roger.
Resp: 2.55
